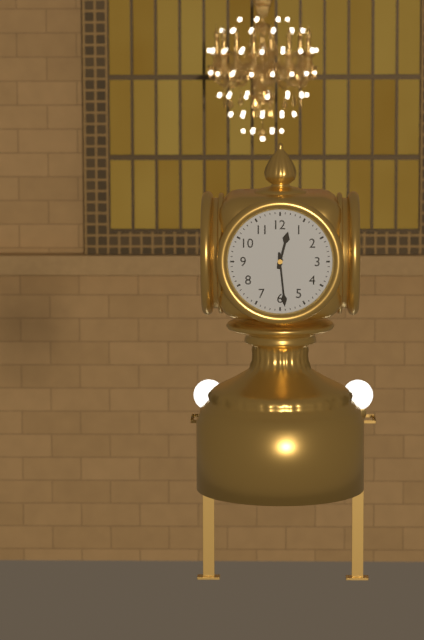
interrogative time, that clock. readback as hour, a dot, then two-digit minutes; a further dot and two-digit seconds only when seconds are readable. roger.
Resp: 12.29
